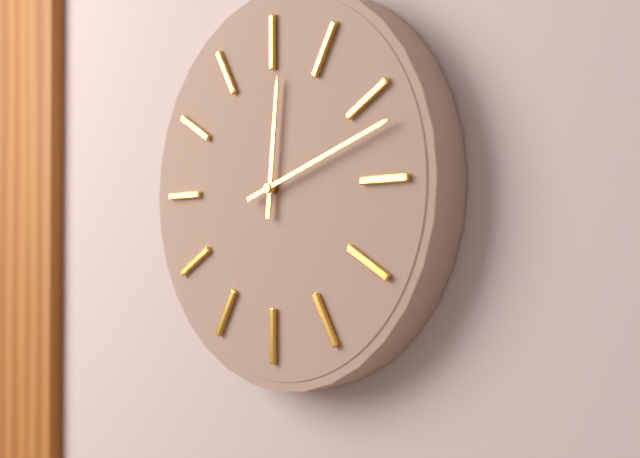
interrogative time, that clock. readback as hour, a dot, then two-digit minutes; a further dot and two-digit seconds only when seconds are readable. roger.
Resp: 12.12
